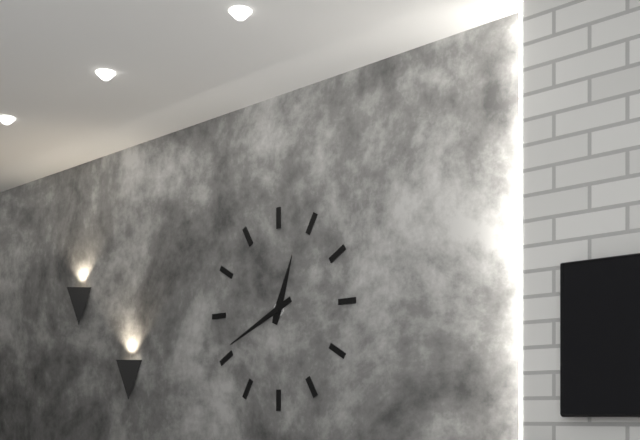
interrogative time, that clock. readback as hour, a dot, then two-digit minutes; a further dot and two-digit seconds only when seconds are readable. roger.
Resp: 12.41
